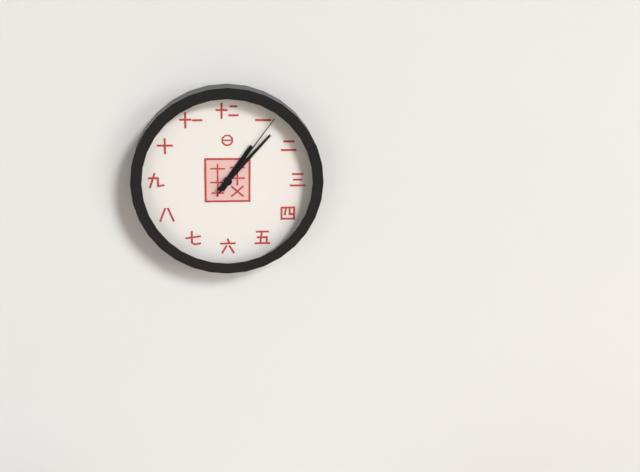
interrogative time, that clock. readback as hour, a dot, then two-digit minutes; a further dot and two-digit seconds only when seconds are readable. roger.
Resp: 1.07.06
